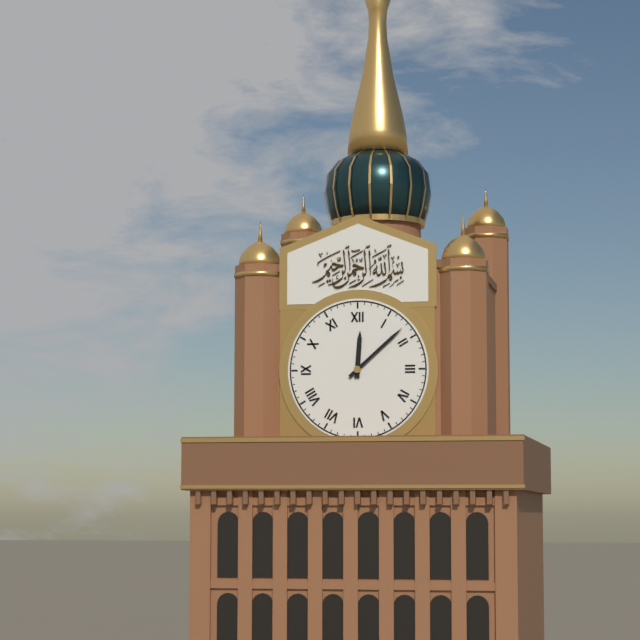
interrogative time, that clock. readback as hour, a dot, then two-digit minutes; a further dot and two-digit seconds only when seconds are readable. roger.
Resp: 12.08
